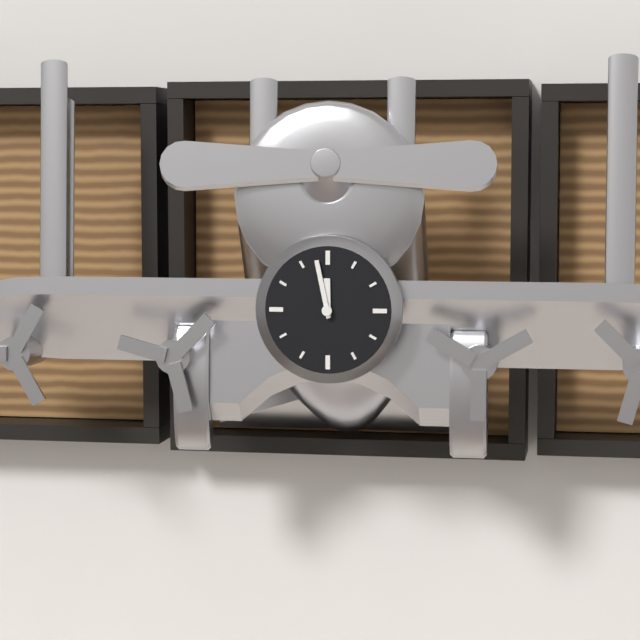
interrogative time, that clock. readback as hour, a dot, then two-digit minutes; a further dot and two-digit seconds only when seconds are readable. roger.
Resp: 11.58
